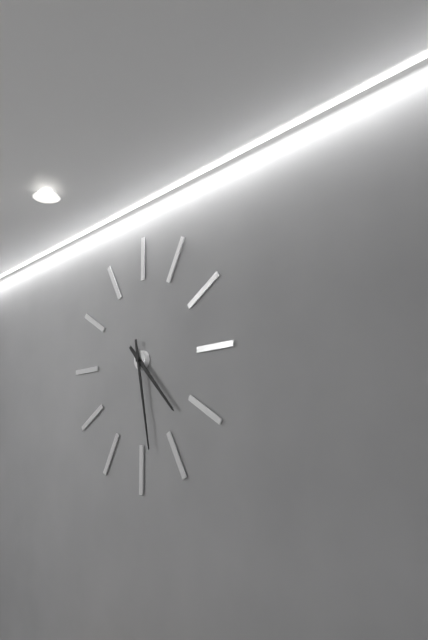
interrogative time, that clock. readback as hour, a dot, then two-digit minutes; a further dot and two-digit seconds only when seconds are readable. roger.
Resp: 4.28
